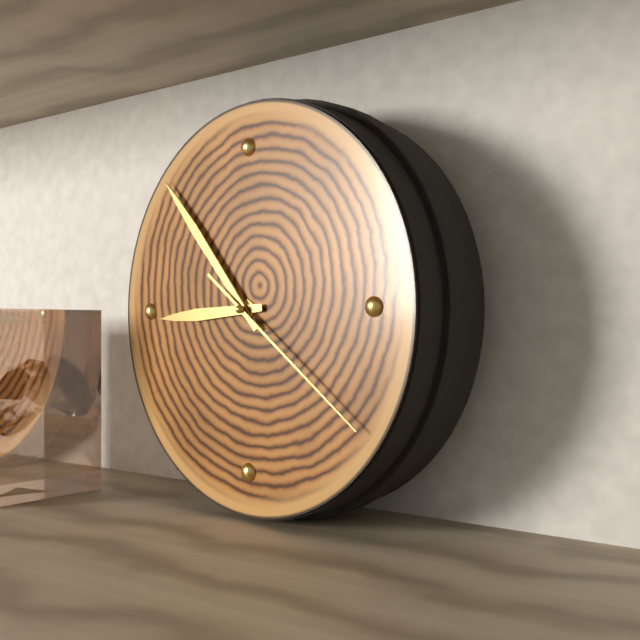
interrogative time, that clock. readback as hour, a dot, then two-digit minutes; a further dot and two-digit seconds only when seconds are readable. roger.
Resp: 8.53.21
